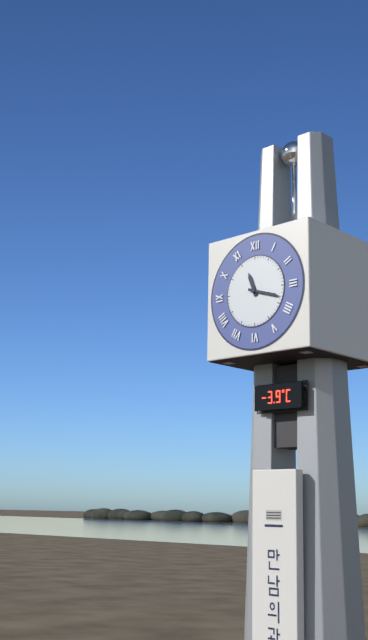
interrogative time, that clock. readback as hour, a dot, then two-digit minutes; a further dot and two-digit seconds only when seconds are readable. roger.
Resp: 11.18
